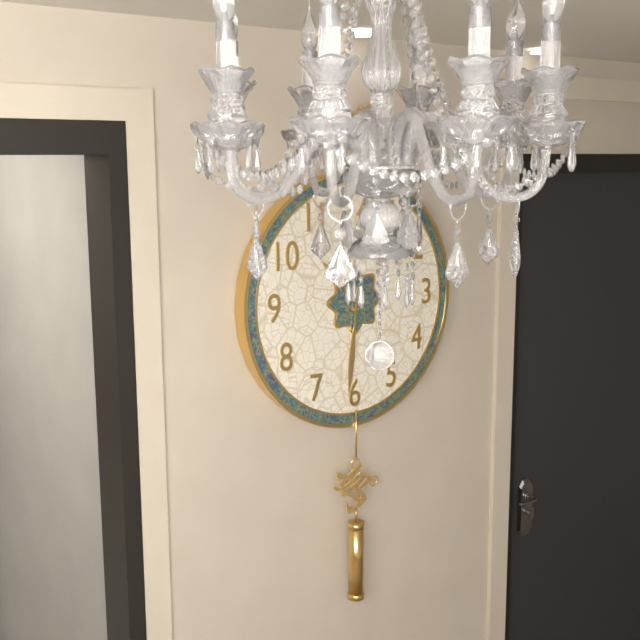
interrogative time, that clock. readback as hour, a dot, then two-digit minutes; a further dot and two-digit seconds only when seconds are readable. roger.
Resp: 10.31
